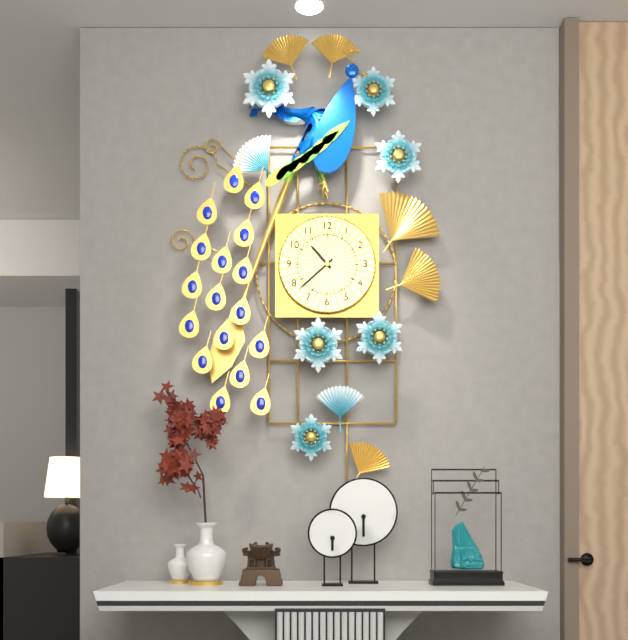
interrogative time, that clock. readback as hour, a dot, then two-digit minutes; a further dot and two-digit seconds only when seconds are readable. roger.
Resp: 10.38
